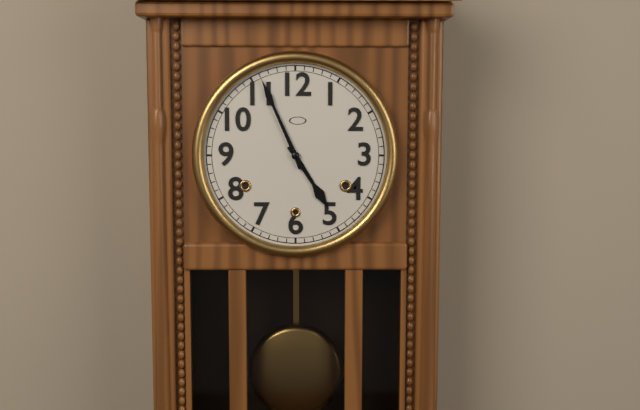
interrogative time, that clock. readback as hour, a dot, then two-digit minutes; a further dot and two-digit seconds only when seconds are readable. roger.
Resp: 4.56
